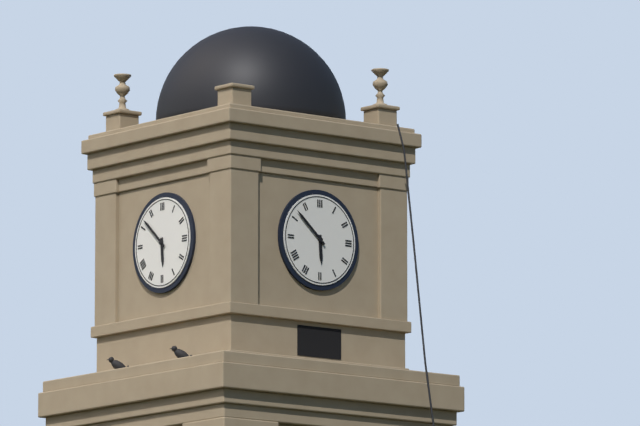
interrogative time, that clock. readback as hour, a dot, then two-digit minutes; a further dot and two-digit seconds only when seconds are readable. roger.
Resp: 5.52
